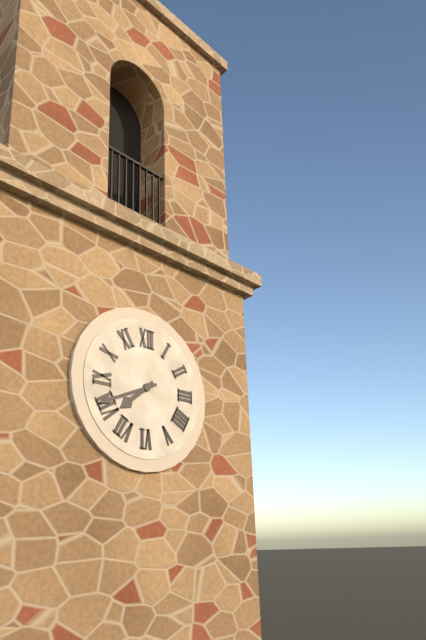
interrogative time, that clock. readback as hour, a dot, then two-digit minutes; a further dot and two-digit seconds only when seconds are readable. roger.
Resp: 7.41
